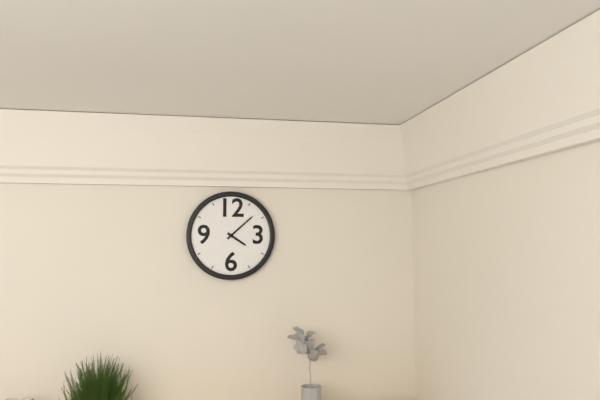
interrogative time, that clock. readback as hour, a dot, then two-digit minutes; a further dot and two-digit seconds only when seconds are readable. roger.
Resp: 4.08
